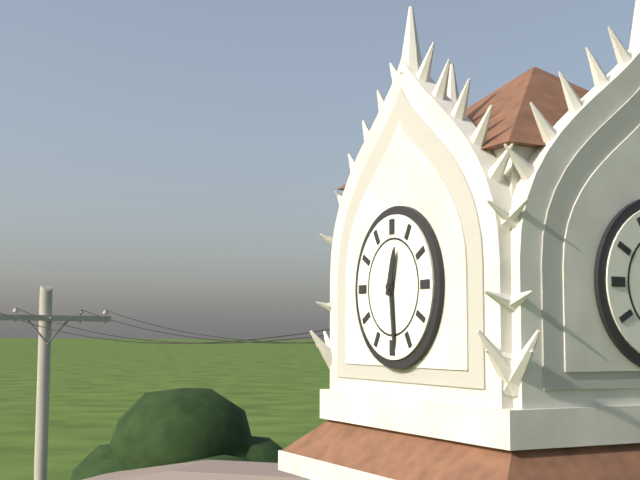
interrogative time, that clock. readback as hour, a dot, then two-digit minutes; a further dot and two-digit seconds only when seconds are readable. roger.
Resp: 12.29
